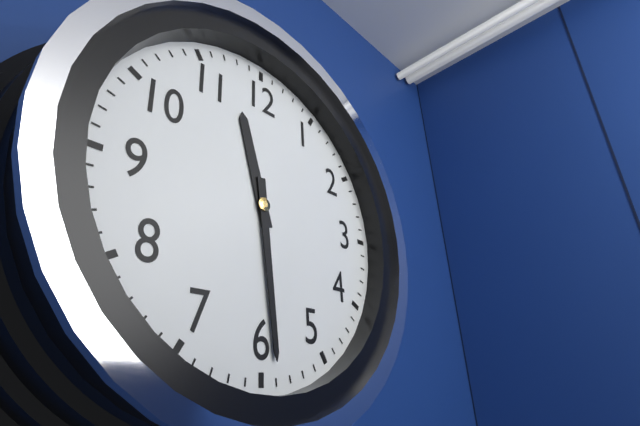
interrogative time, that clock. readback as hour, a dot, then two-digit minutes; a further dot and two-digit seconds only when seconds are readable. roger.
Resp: 11.29
